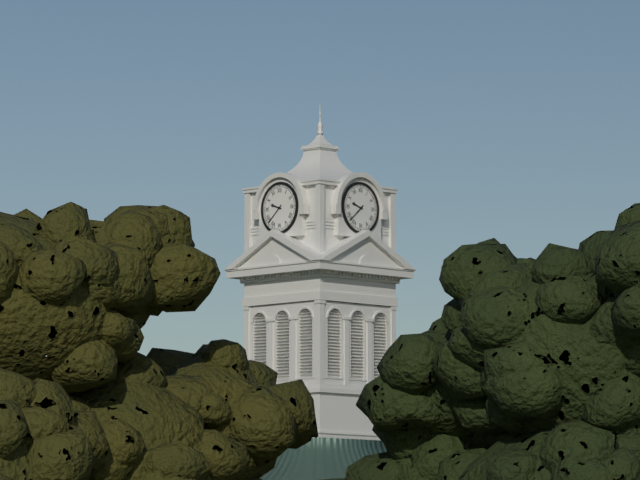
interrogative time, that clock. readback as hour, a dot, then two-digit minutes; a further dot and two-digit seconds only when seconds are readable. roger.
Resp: 9.38
